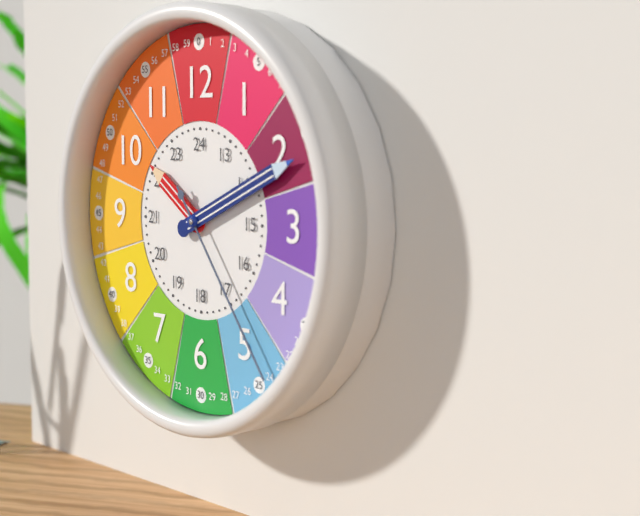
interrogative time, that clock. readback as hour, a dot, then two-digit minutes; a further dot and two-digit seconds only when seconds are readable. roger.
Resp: 10.11.24
